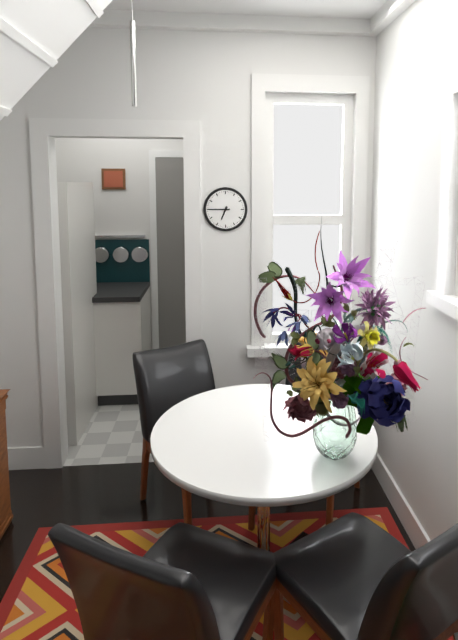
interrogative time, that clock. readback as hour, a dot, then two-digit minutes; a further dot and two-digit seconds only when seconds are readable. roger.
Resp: 6.45
